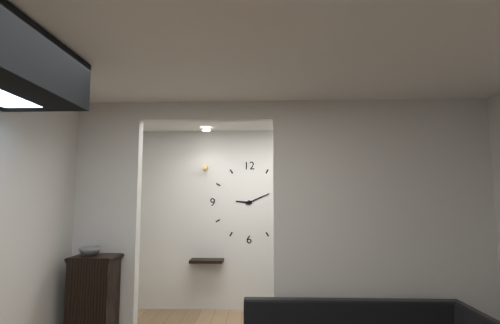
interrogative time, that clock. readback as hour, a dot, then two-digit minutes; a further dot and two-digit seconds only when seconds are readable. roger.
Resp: 9.11
